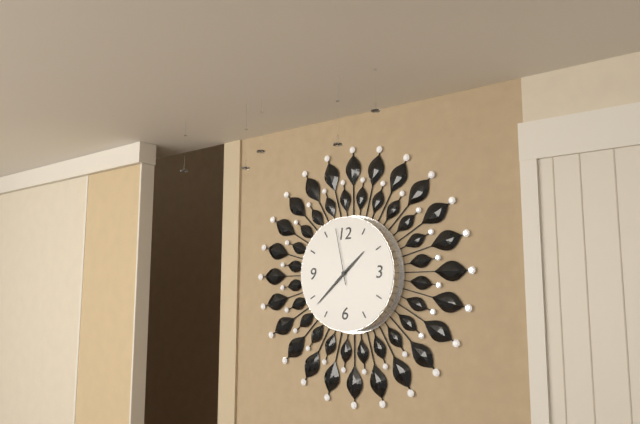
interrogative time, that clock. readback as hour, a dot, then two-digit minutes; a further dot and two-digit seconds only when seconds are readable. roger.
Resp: 1.38.58
